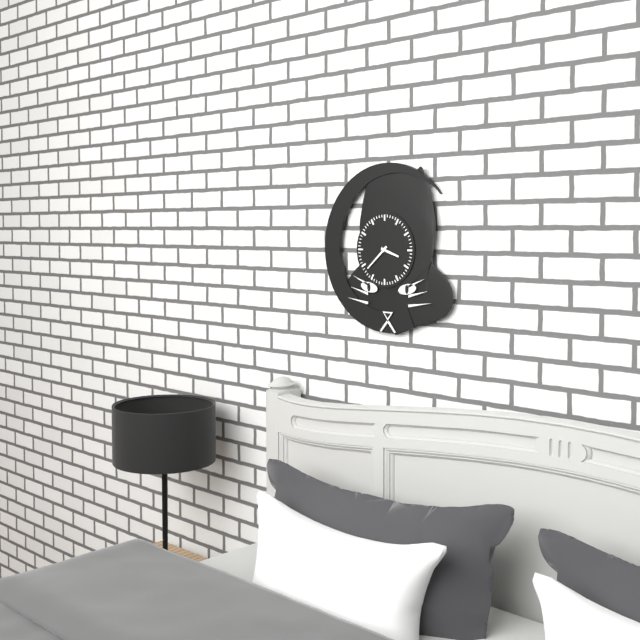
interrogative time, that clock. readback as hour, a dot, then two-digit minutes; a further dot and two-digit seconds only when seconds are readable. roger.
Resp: 3.38
